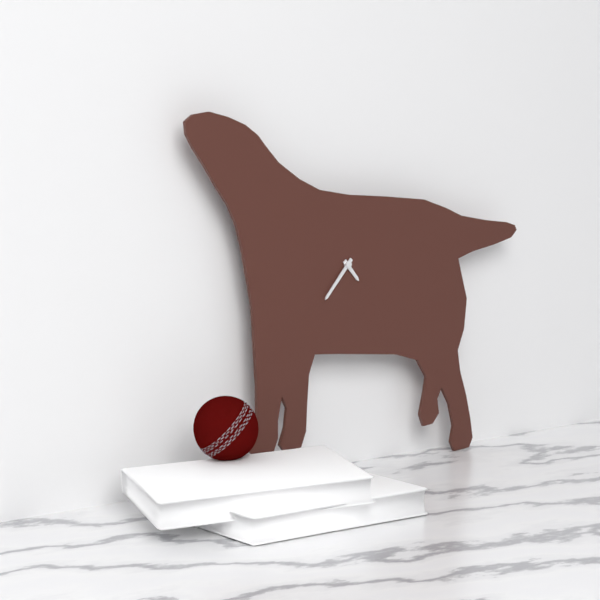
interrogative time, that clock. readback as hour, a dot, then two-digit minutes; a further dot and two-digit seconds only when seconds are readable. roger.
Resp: 4.37
